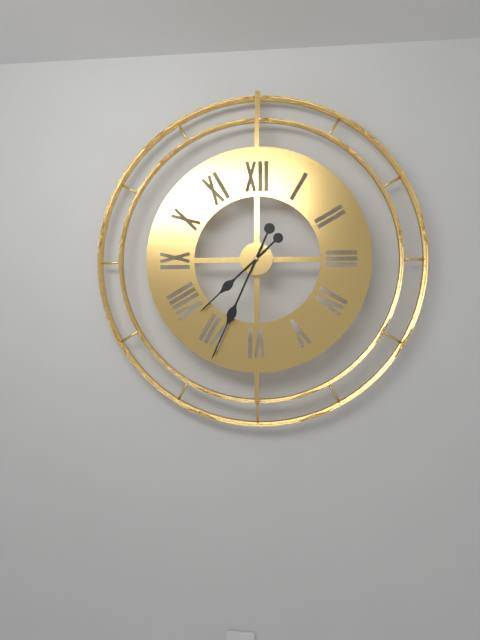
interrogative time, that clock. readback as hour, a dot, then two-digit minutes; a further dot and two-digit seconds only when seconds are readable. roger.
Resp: 7.34
